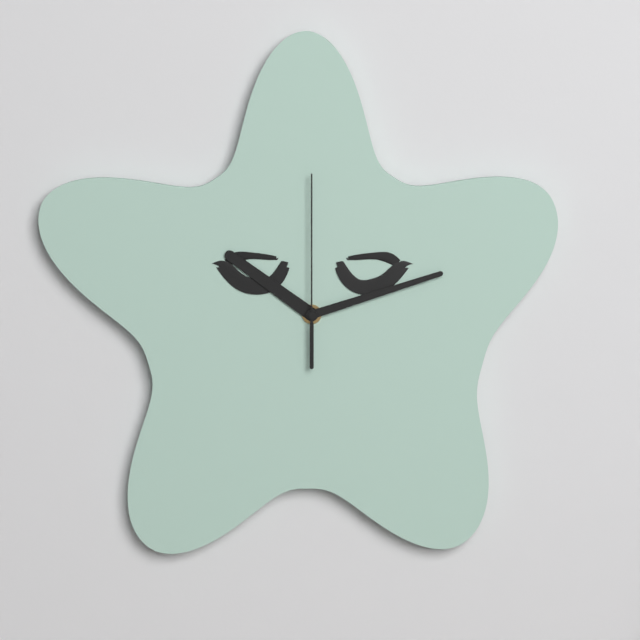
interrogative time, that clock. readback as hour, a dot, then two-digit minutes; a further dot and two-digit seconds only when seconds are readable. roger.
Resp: 10.12.00
